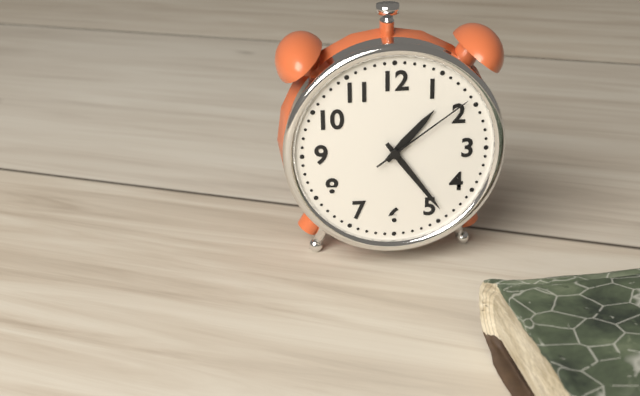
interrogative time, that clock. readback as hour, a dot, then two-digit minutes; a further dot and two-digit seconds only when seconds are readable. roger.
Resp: 1.24.09
